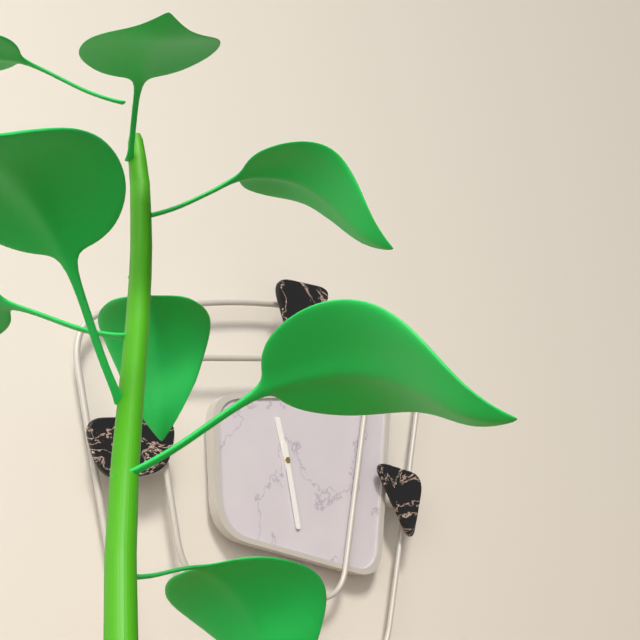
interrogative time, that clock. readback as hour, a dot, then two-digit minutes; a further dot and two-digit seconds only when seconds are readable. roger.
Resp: 11.28
